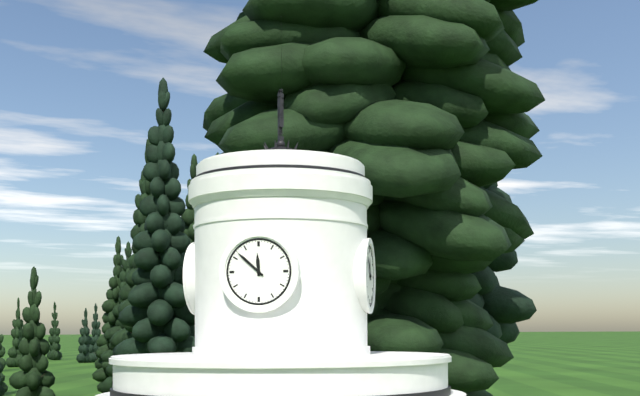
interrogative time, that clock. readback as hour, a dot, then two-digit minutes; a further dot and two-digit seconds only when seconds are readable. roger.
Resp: 11.52
